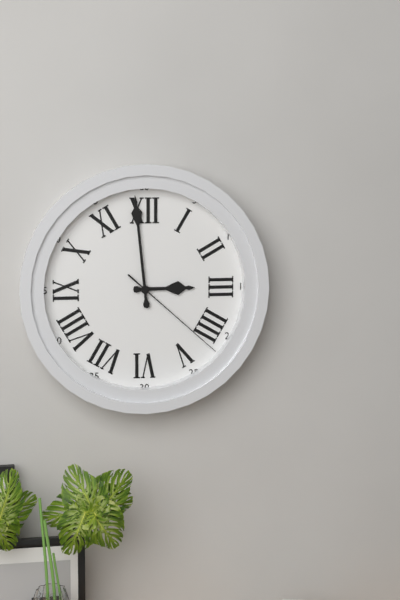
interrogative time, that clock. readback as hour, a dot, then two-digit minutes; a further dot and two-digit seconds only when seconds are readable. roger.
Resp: 2.59.22
